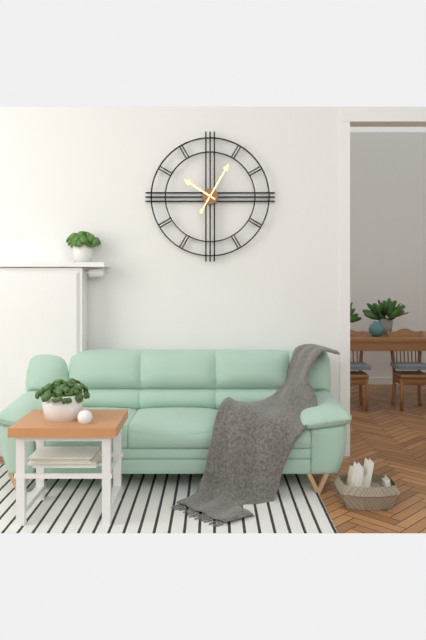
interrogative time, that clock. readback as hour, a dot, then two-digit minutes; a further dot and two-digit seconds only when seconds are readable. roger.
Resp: 10.05
